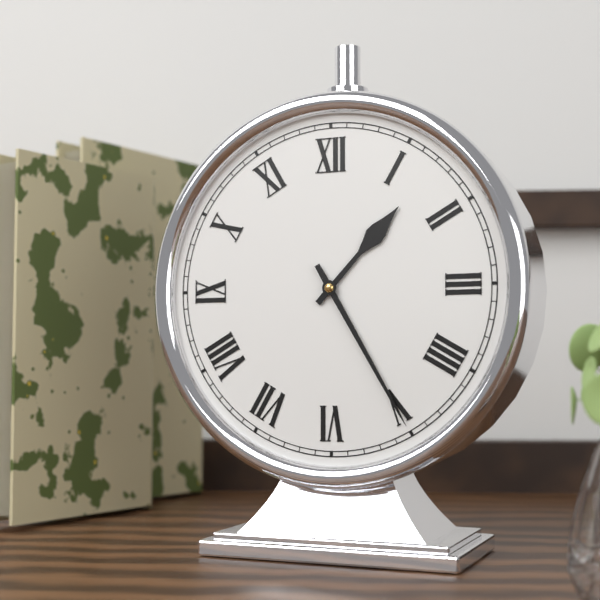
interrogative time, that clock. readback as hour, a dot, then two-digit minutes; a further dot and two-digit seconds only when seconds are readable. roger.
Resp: 1.25
